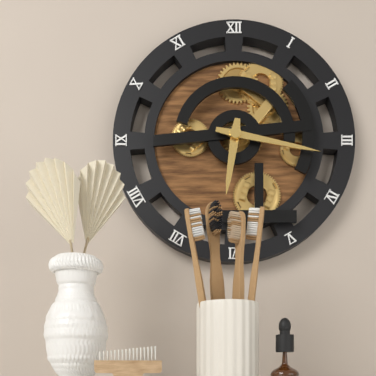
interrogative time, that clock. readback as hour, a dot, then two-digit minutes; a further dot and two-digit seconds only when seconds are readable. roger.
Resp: 6.17
